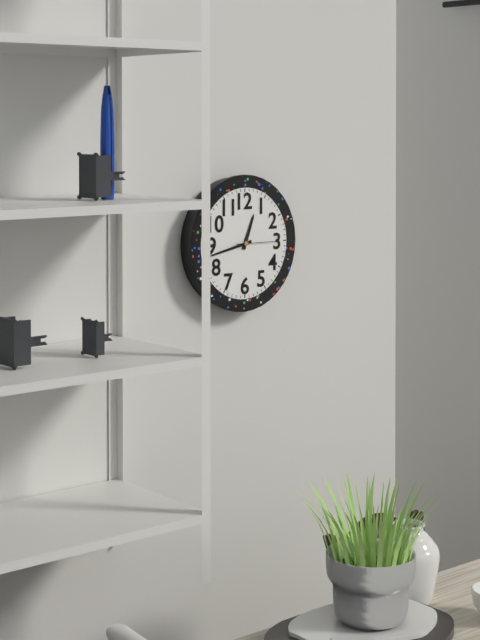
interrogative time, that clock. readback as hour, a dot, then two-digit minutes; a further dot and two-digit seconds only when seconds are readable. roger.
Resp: 12.43
